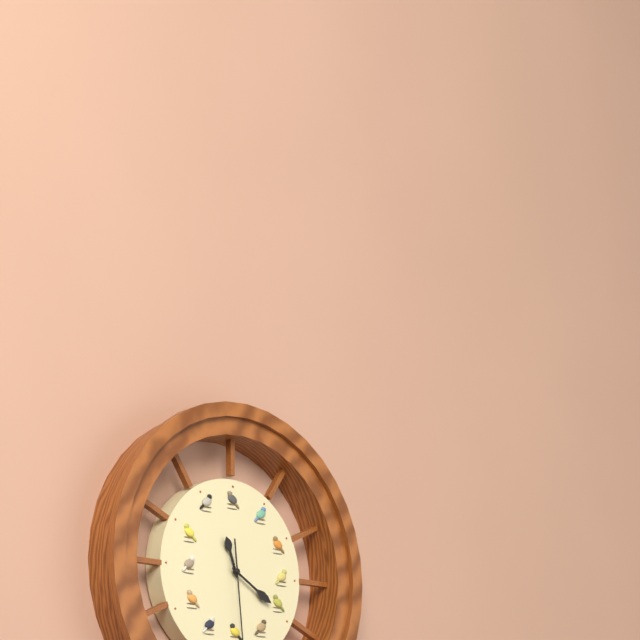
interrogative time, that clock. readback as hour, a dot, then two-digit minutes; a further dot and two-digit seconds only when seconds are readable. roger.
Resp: 11.20
